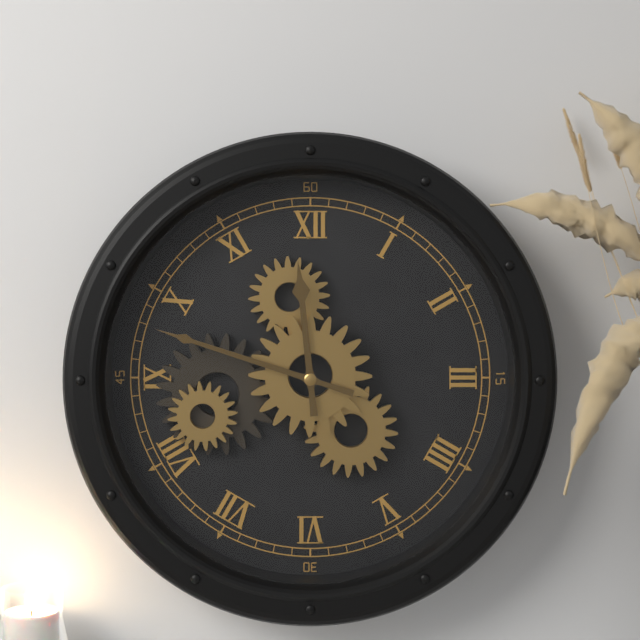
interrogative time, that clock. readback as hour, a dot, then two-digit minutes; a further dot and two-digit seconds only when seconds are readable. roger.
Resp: 11.48
